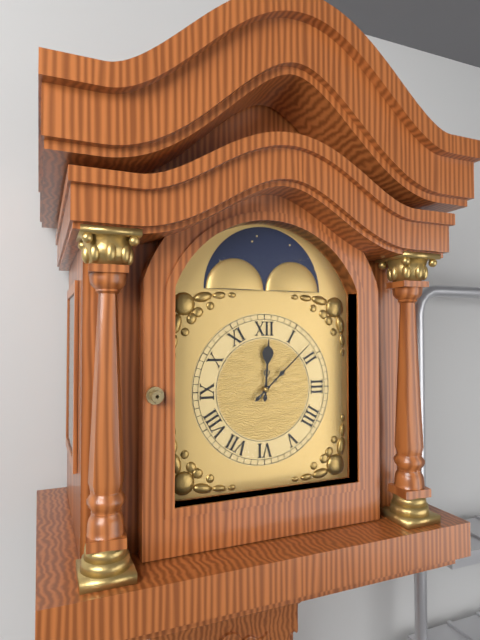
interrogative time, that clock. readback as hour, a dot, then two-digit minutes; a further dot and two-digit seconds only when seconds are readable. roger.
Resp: 12.08
